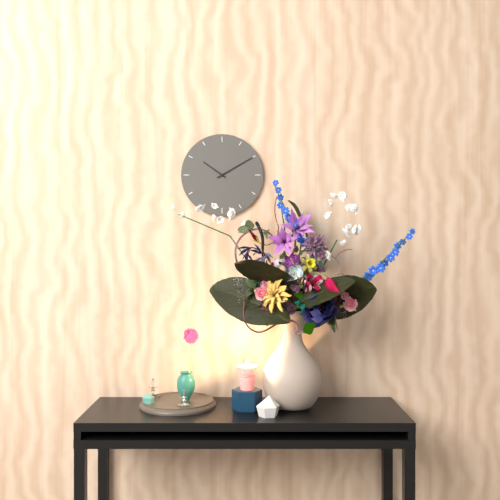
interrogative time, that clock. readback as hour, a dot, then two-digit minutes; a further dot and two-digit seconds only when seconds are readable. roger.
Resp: 10.10
